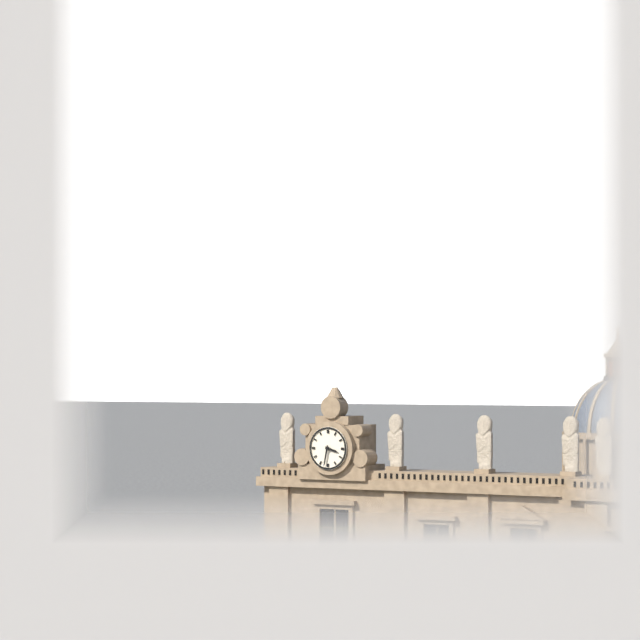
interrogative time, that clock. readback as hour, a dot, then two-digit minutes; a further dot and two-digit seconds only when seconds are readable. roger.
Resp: 3.32
